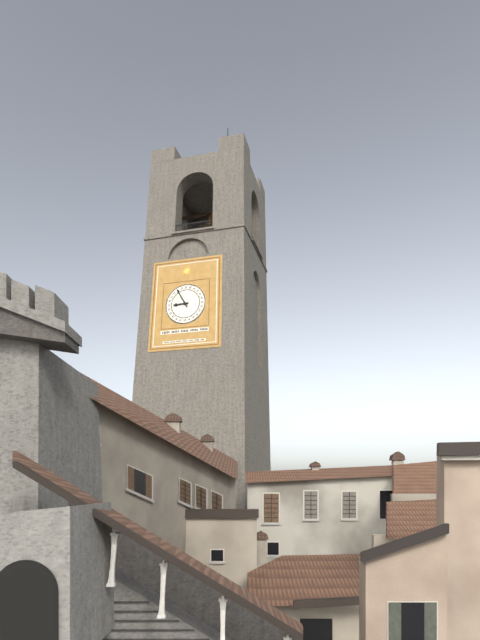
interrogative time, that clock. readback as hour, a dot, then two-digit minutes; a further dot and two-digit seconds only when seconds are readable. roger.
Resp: 8.55
